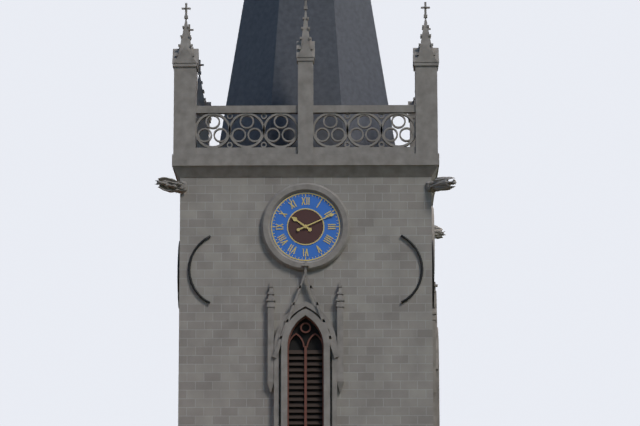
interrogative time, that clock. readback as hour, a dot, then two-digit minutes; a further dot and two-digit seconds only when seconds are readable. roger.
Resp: 10.11
